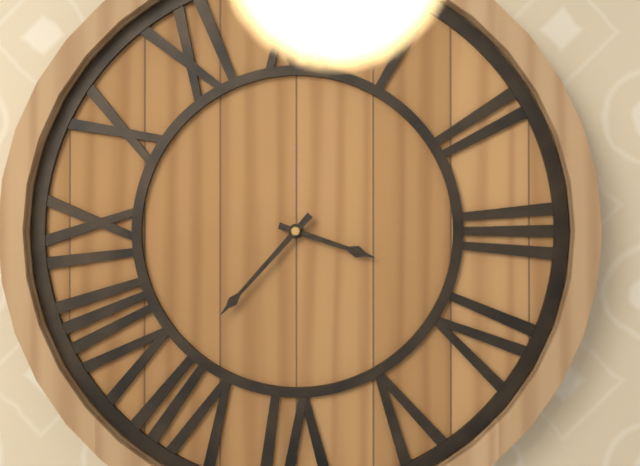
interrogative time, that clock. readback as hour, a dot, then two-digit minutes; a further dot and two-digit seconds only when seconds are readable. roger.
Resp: 3.37
